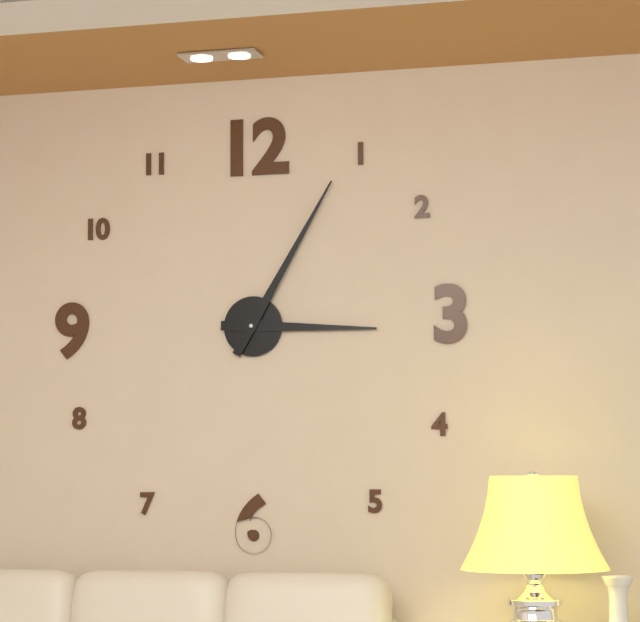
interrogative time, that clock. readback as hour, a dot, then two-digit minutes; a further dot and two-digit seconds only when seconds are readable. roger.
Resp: 3.05
